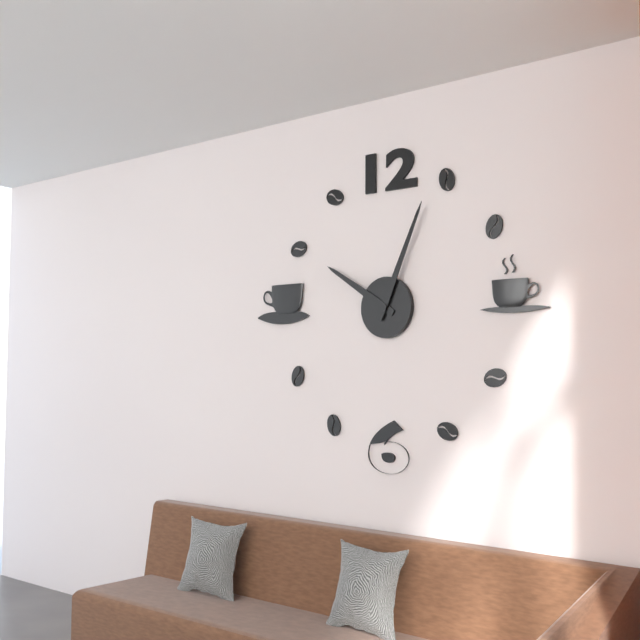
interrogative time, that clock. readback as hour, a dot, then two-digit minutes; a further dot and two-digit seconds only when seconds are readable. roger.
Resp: 10.04
